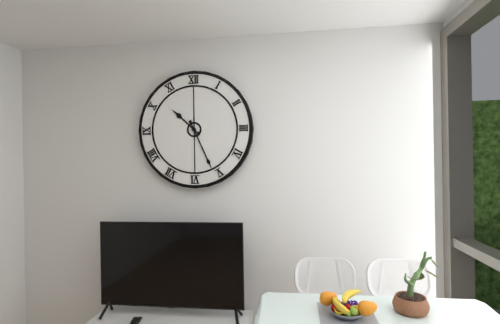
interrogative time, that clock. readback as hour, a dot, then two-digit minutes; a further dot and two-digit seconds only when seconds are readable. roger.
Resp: 10.26
